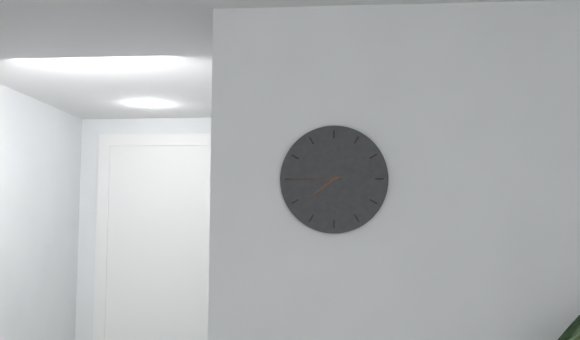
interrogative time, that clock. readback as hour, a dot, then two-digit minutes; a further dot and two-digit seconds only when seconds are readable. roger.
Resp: 7.45
